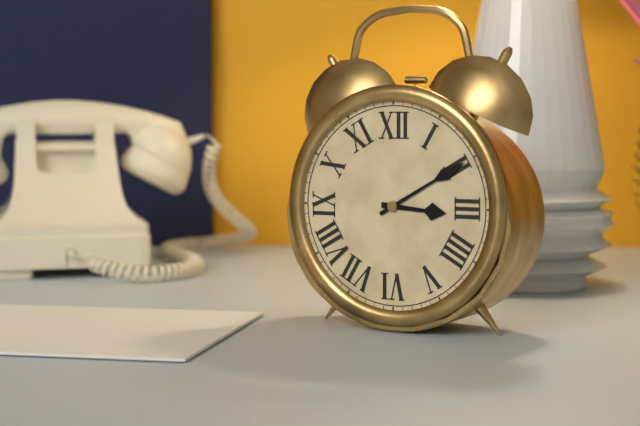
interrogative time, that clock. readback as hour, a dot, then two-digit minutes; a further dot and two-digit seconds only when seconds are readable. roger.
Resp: 3.10
